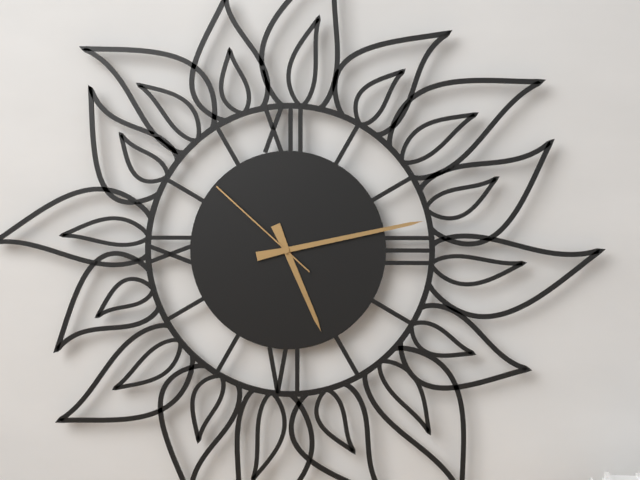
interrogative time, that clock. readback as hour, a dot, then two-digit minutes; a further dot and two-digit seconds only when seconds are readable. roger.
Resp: 5.13.52
